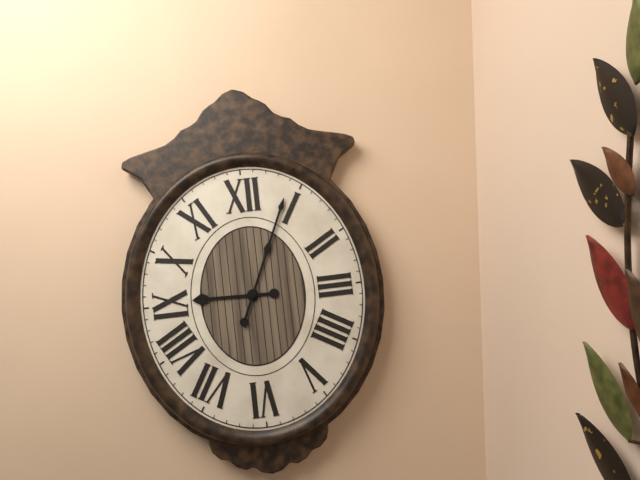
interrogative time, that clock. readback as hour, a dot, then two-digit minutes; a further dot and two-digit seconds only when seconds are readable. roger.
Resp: 9.04
